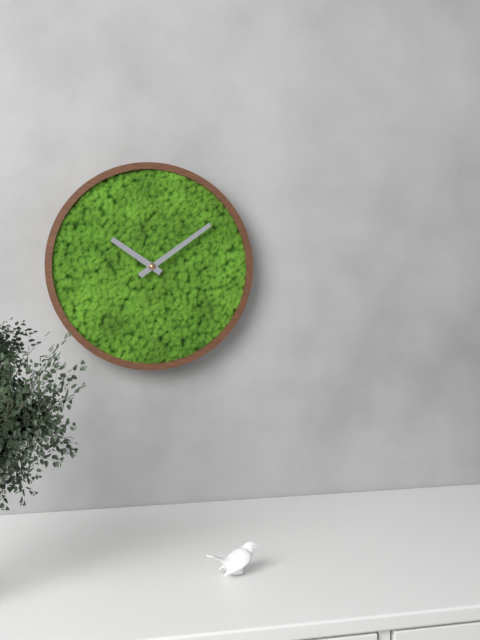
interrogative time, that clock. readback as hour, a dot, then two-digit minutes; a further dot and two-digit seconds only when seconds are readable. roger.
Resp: 10.09
